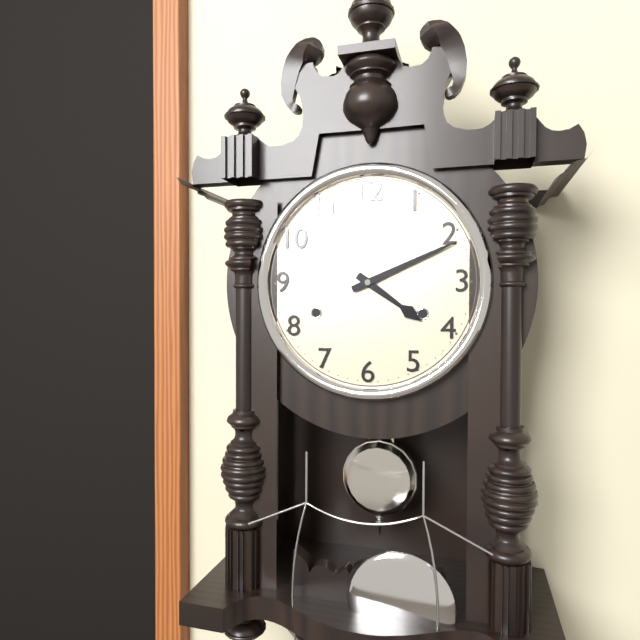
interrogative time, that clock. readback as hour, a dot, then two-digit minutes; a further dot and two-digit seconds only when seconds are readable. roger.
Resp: 4.11
